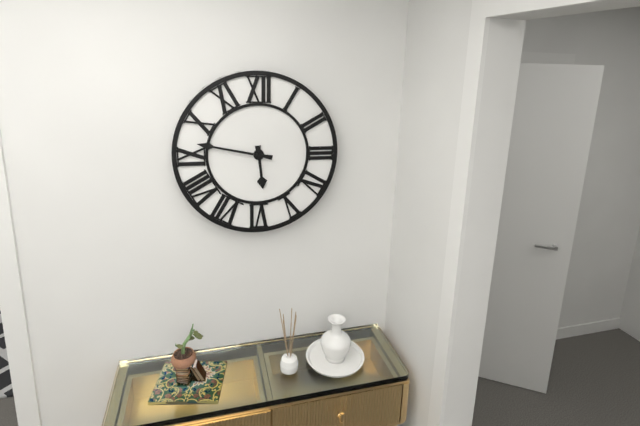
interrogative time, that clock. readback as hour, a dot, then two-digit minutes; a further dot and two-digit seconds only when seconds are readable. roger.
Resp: 5.47
